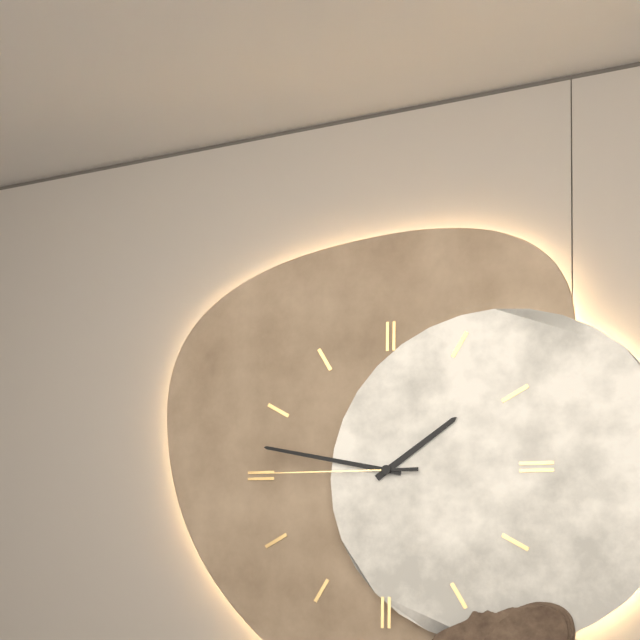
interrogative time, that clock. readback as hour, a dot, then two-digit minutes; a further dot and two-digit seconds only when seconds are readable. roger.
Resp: 1.47.45
